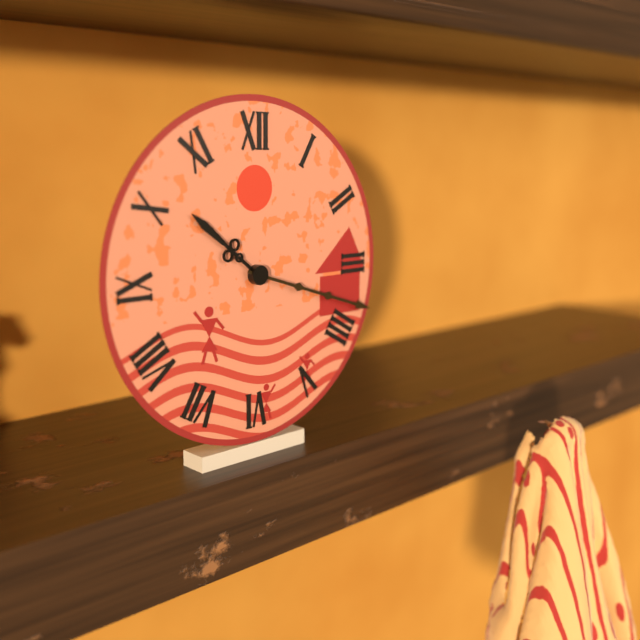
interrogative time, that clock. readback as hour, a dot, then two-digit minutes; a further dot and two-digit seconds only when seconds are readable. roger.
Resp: 10.18
